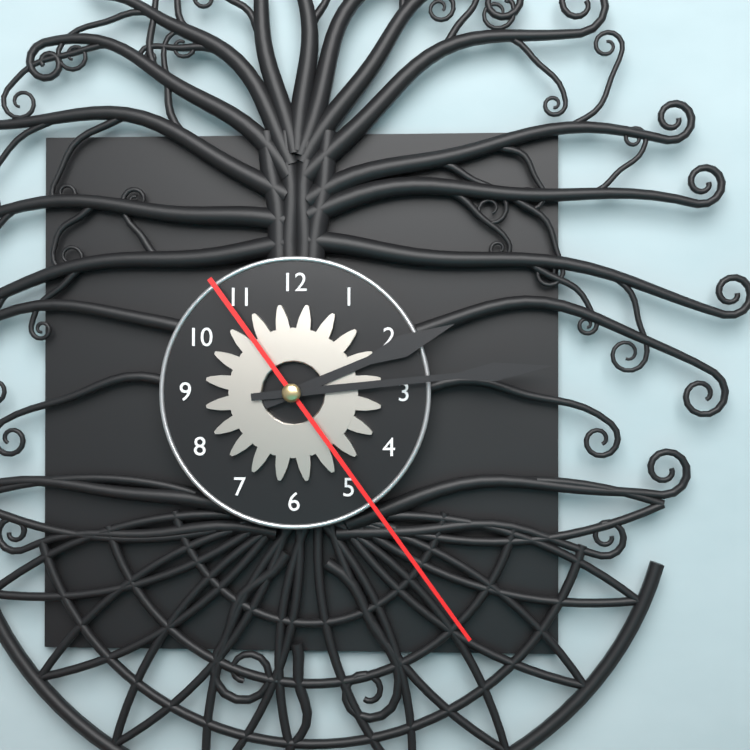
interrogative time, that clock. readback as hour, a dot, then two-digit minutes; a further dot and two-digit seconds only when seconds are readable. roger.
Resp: 2.14.24
